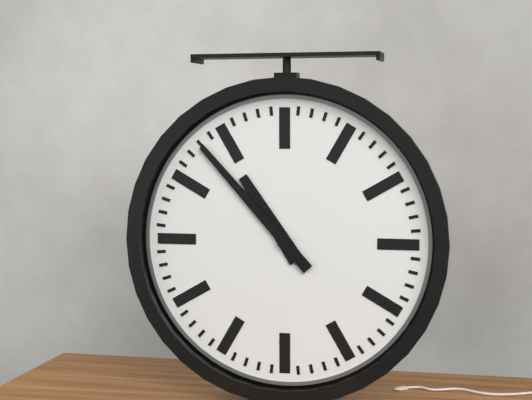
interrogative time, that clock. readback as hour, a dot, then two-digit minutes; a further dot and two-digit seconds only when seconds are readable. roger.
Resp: 10.53
